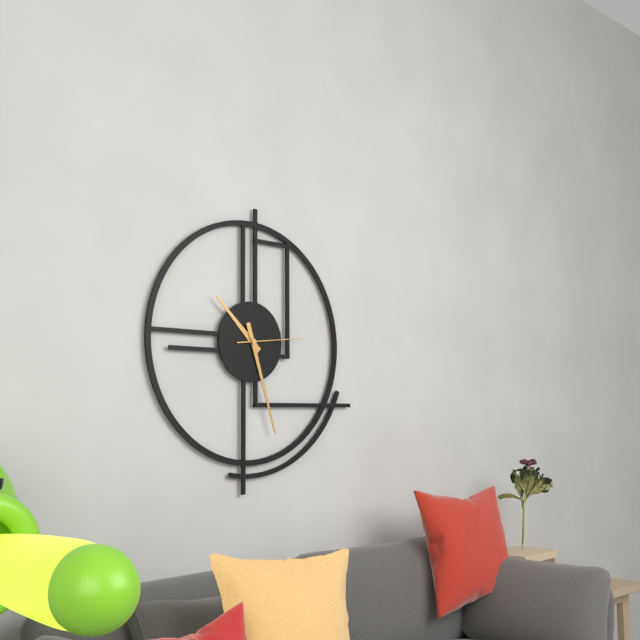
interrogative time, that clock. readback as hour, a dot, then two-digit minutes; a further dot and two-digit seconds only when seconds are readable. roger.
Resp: 10.27.14
